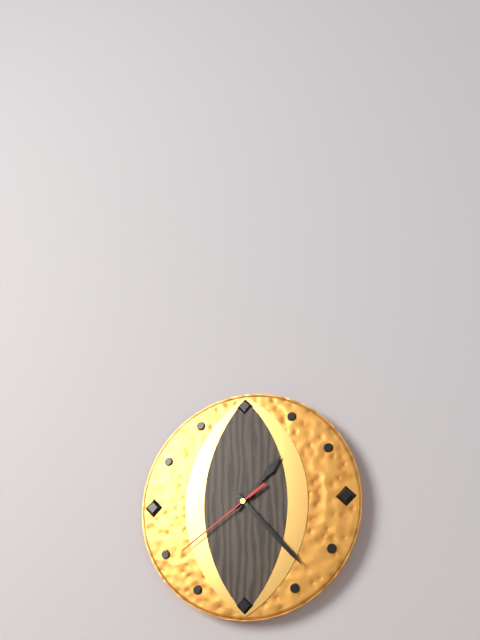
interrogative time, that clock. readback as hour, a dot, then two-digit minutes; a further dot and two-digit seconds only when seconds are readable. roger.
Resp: 1.23.39
